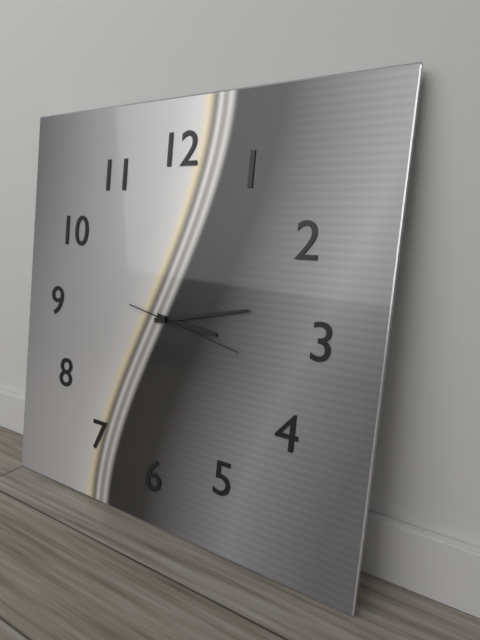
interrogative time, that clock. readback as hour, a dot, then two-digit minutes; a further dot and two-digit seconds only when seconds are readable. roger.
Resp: 3.13.17
